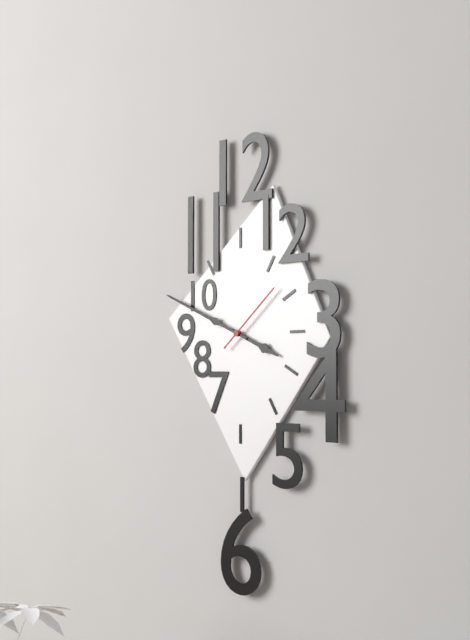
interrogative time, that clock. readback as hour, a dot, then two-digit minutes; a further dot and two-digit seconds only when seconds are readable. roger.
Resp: 3.49.08
